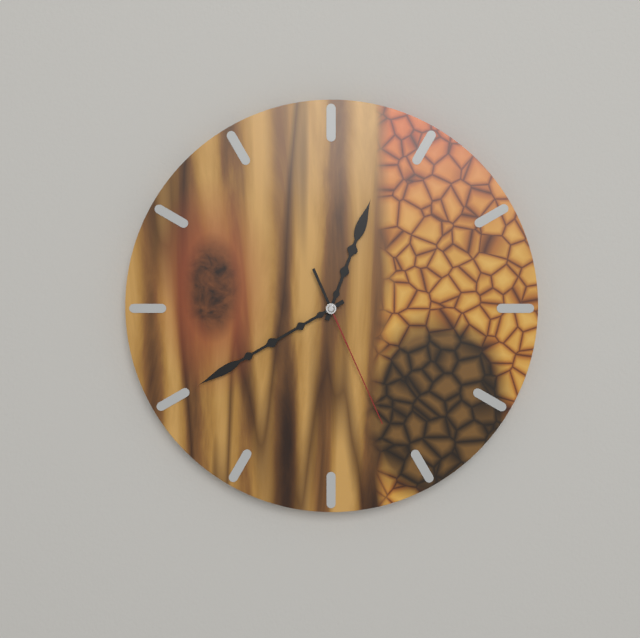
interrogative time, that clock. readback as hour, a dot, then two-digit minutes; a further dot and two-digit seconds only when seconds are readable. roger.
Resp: 12.40.26
